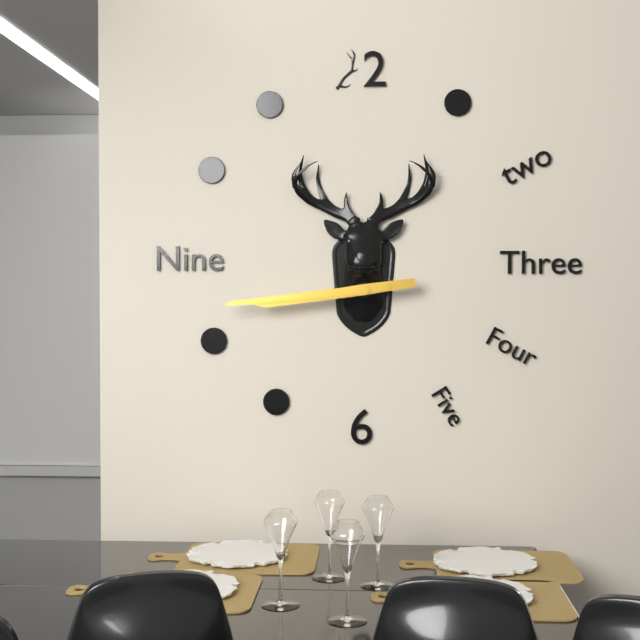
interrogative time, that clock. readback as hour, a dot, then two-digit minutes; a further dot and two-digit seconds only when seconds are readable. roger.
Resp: 8.44
